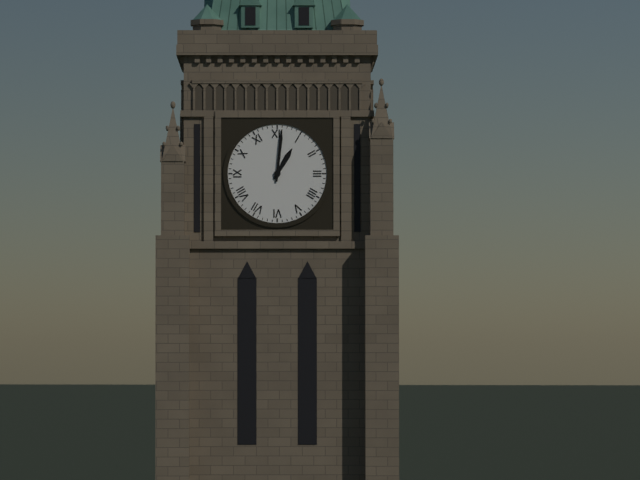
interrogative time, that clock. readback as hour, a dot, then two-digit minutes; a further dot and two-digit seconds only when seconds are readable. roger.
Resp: 1.01
